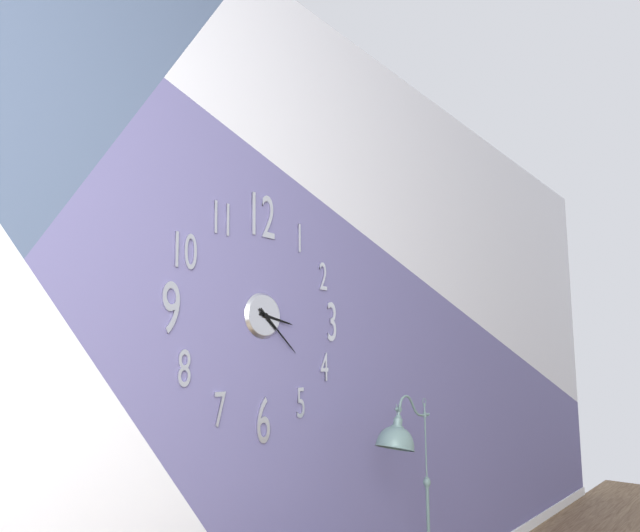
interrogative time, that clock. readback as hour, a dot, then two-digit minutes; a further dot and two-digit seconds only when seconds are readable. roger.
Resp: 3.22
